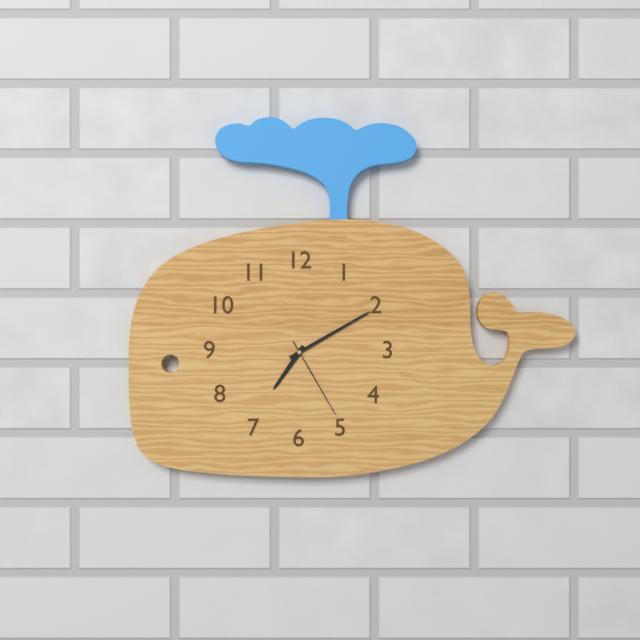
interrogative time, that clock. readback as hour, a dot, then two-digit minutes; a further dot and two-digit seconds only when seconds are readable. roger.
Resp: 7.10.25
